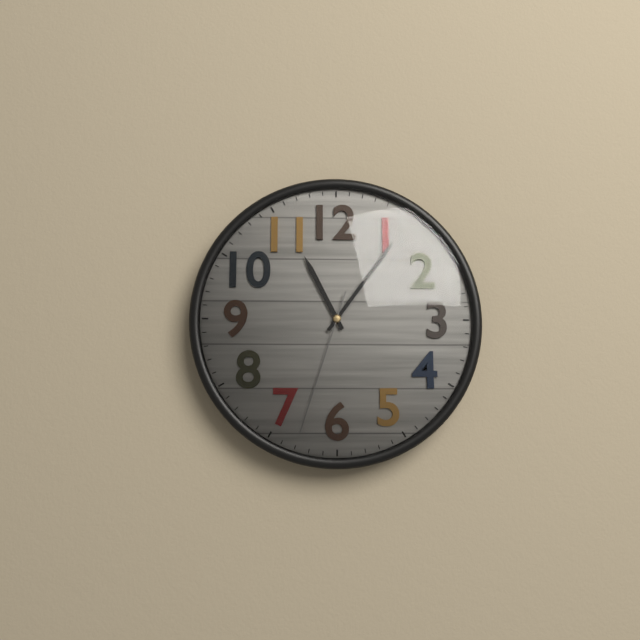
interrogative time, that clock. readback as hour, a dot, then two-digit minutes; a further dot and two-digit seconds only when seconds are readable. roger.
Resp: 11.06.33
